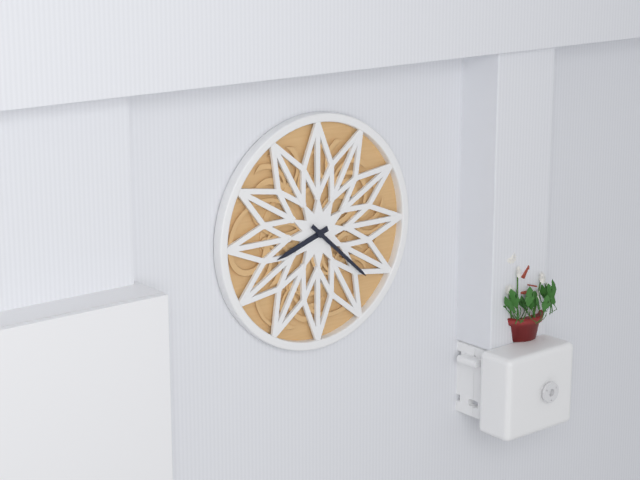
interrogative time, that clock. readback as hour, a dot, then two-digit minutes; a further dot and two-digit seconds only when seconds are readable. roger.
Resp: 8.22
